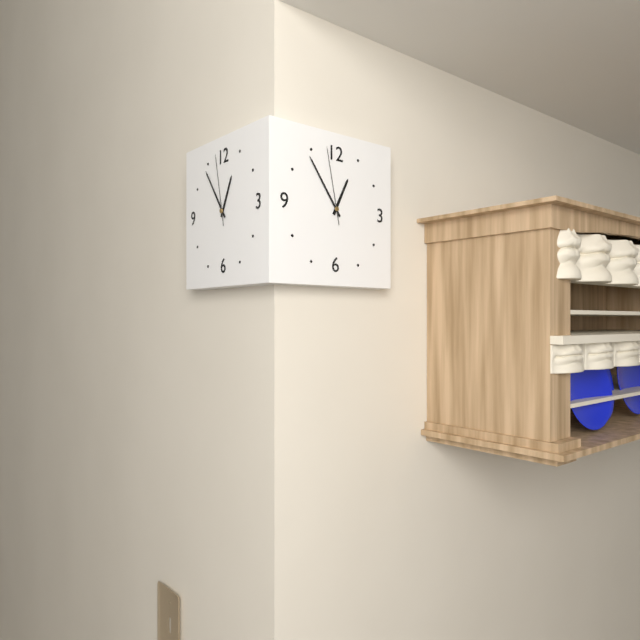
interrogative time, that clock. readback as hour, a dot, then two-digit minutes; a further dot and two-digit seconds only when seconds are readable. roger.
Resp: 12.54.58
